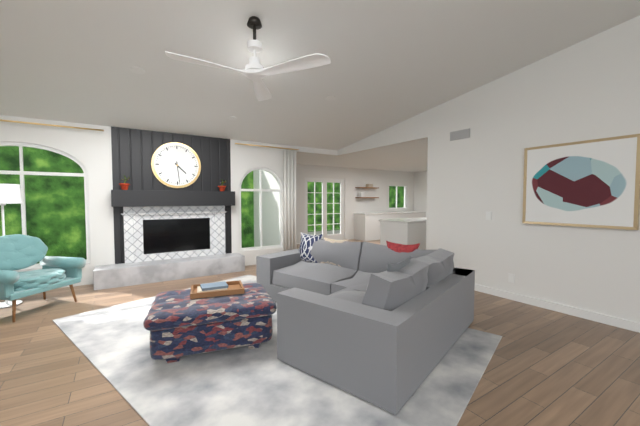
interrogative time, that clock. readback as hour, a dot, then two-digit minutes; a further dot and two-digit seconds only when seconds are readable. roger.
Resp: 4.29
